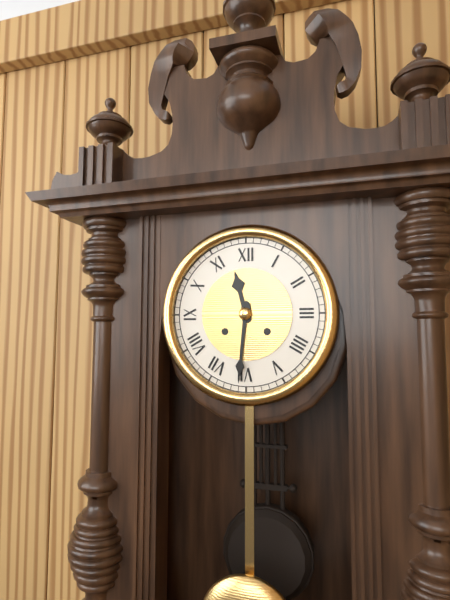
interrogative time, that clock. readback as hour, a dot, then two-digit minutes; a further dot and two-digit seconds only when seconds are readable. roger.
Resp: 11.31
